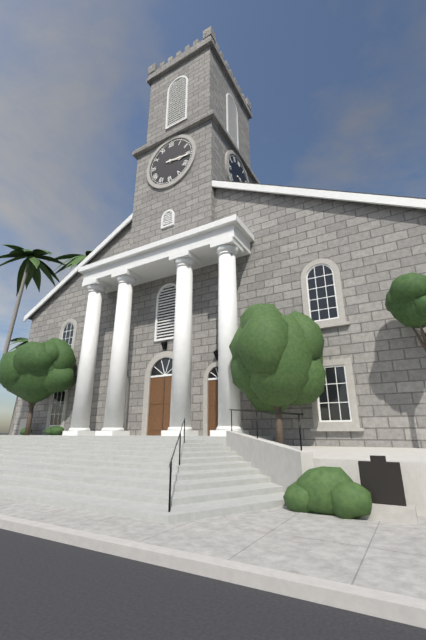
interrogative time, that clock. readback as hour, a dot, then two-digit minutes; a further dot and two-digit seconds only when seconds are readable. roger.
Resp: 3.16
